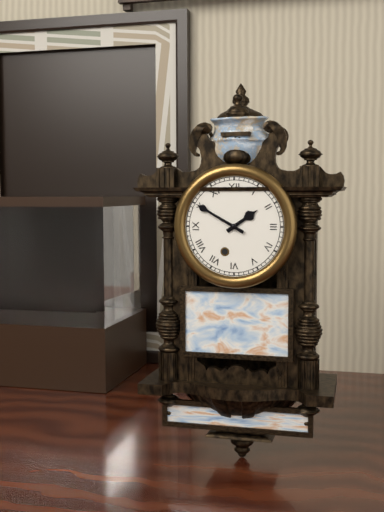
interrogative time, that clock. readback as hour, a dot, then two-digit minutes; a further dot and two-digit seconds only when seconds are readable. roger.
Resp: 1.50
